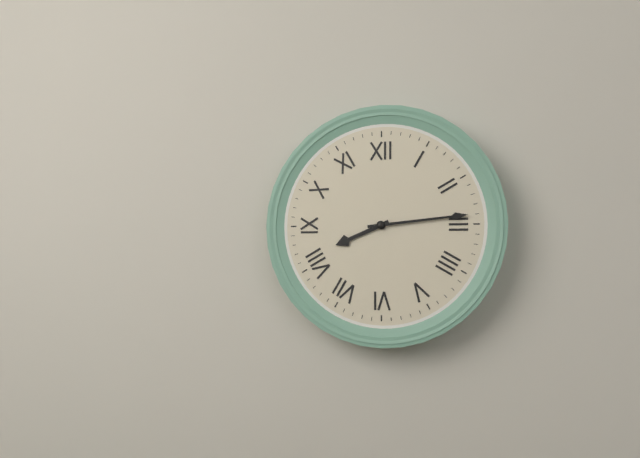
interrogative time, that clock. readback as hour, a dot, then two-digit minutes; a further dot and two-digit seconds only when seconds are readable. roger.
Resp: 8.14
